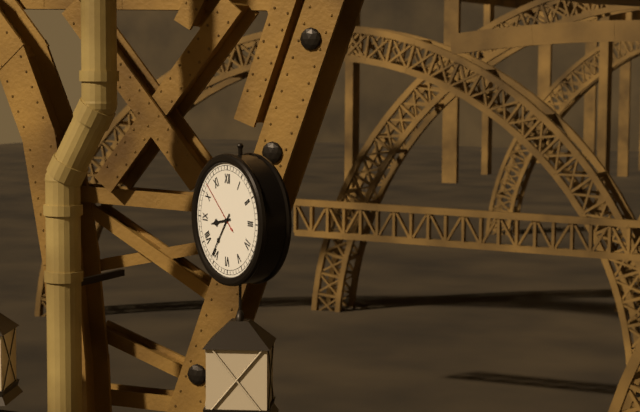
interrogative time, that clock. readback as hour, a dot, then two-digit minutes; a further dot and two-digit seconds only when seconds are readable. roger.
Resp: 8.36.52
